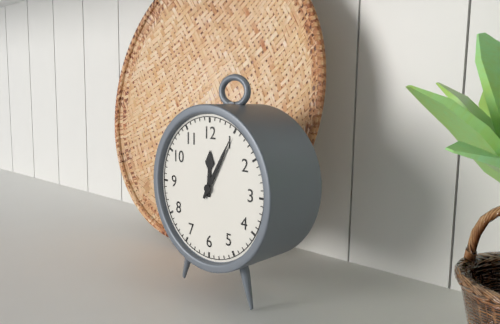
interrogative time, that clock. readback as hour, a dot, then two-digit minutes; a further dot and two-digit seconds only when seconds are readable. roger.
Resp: 12.05
